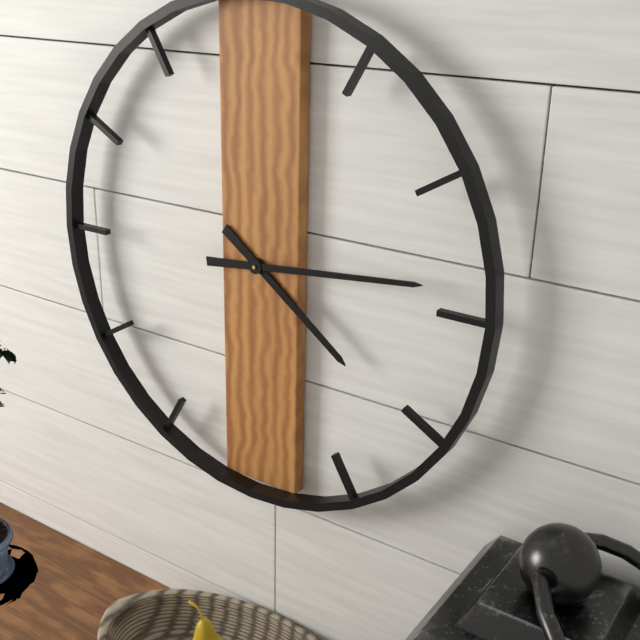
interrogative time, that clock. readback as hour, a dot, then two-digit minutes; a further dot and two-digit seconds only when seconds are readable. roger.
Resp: 4.14
